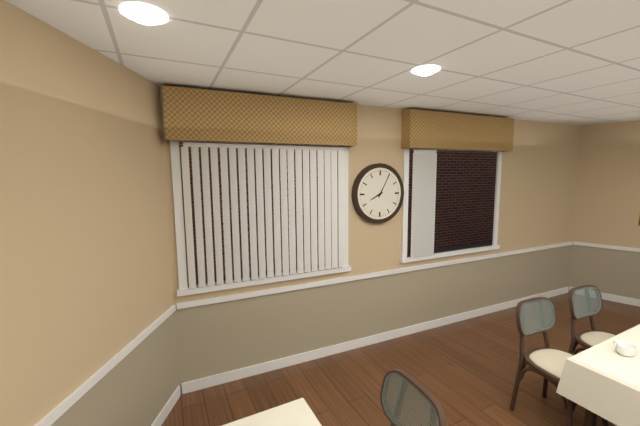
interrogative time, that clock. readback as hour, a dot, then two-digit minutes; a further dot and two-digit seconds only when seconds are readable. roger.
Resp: 8.05
